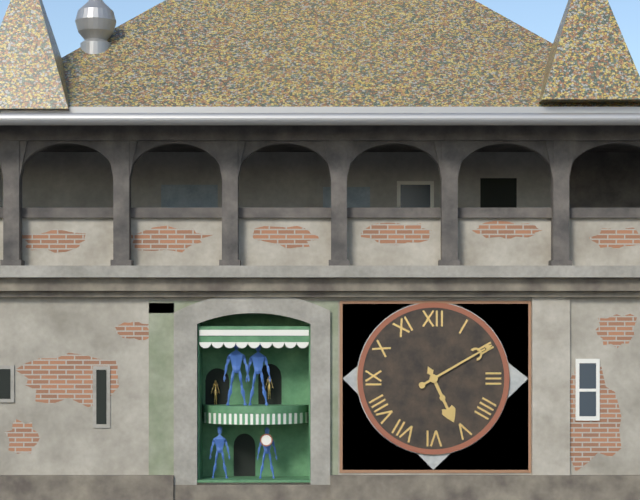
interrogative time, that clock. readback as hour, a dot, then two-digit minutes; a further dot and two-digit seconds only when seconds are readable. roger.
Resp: 5.10
